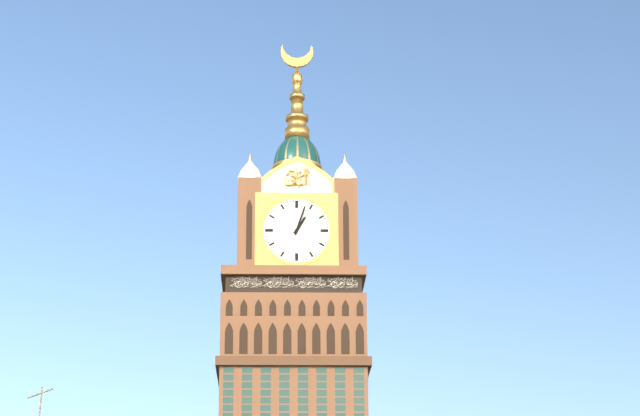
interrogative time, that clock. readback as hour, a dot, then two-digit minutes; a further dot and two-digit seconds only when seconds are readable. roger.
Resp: 1.03
